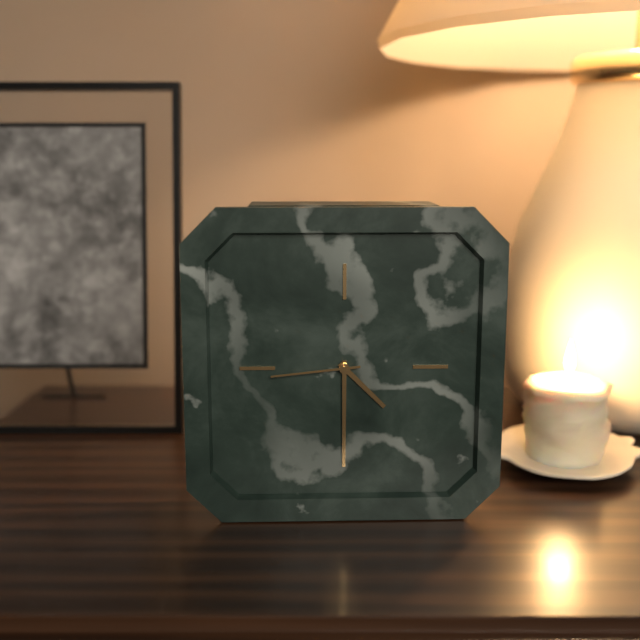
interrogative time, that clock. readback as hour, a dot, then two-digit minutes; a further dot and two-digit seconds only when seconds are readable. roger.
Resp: 4.30.44
